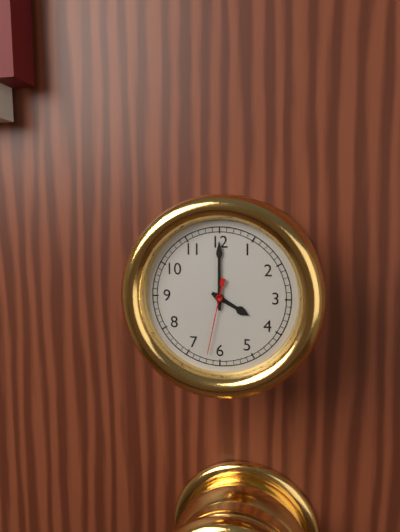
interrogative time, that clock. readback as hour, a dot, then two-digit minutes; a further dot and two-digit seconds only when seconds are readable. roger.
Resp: 4.00.32
